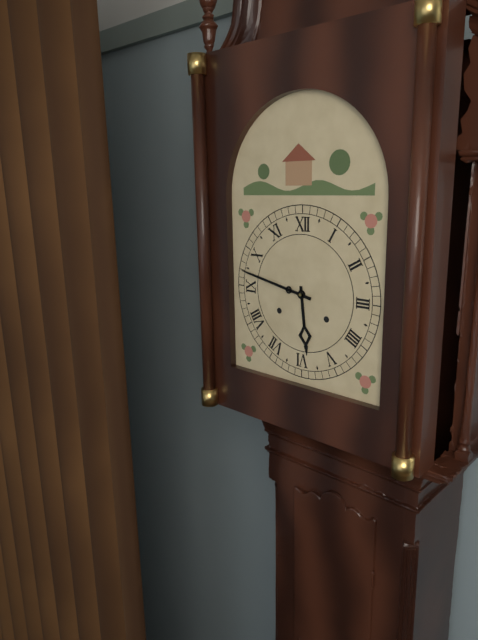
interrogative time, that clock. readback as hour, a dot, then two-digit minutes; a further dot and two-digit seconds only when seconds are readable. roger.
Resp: 5.47
